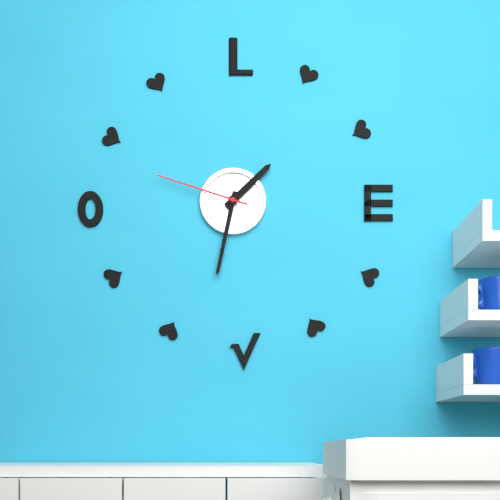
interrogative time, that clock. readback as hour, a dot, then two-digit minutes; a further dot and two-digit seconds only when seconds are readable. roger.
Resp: 1.32.48
